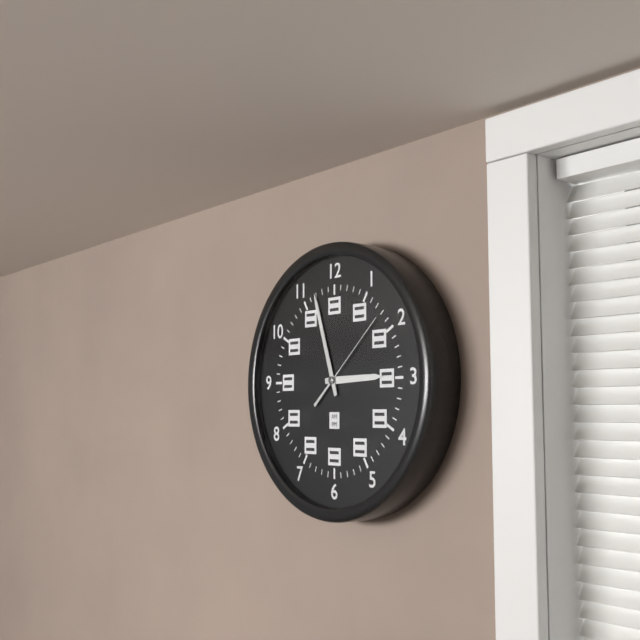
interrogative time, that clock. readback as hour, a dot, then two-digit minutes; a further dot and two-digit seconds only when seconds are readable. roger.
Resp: 2.57.08
